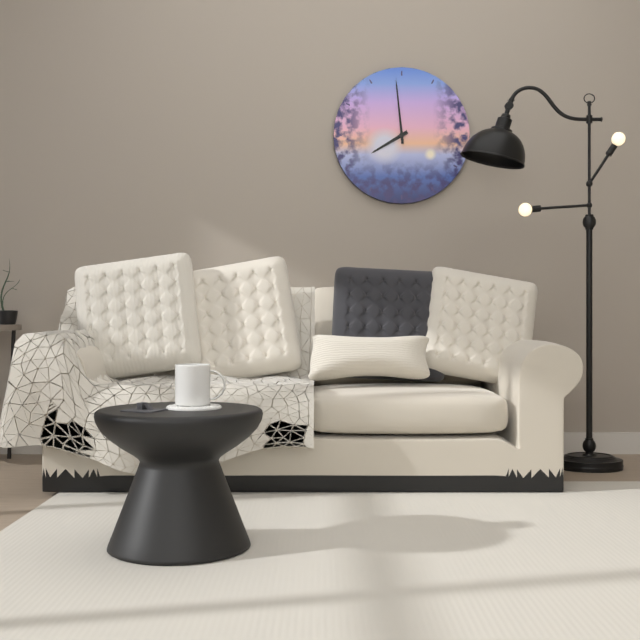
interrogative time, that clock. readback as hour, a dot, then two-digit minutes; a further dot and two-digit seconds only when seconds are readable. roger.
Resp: 7.59
